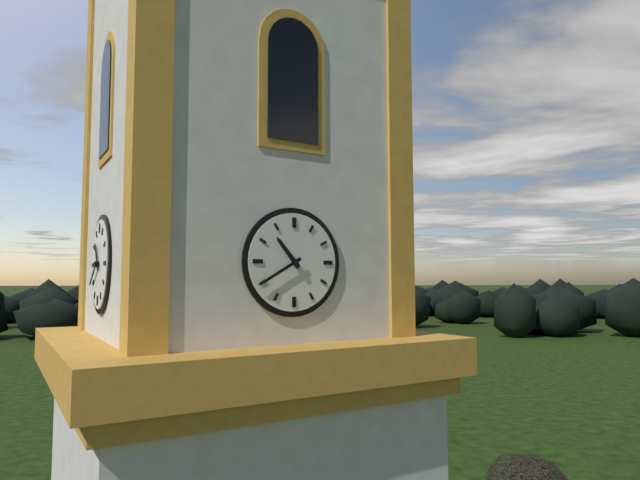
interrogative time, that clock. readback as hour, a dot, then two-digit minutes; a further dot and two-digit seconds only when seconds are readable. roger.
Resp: 10.40
